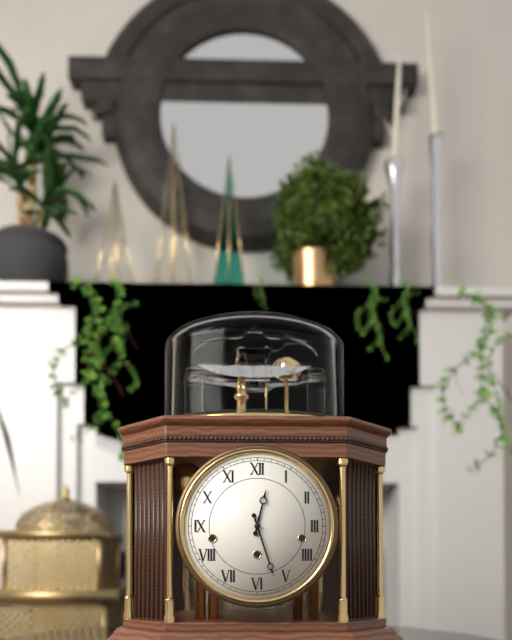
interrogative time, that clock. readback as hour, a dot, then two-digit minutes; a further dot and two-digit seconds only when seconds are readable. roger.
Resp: 12.27
